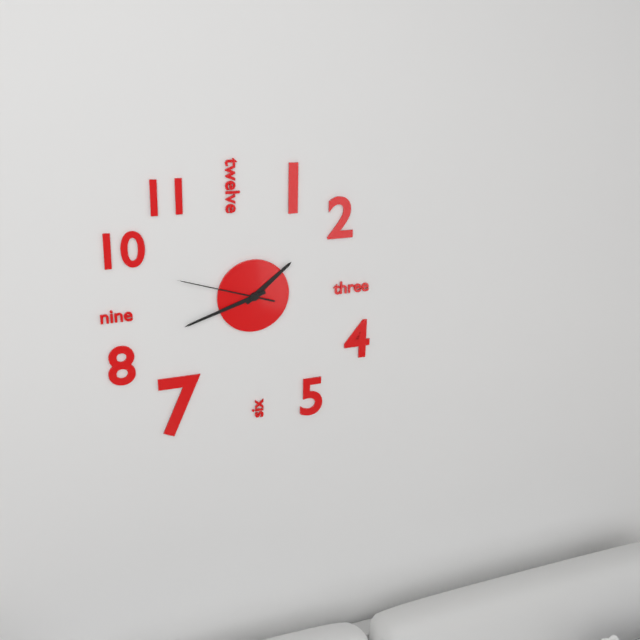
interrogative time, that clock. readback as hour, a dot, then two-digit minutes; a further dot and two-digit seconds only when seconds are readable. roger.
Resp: 1.42.48
